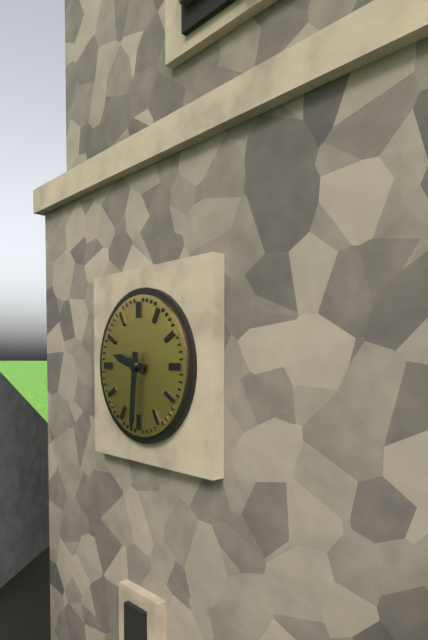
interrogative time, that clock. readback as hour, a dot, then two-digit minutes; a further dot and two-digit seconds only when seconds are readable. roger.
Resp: 9.31
